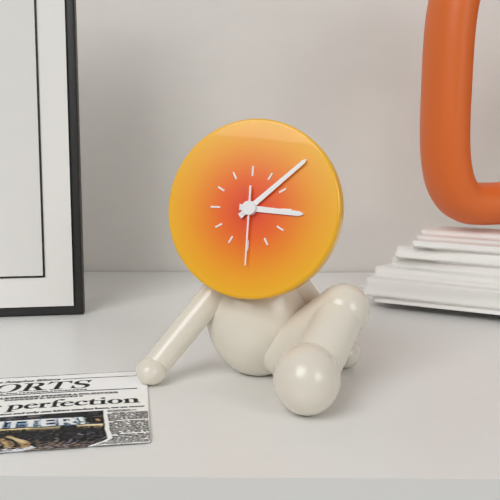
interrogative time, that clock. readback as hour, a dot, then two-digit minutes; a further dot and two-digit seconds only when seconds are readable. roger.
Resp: 3.08.30
